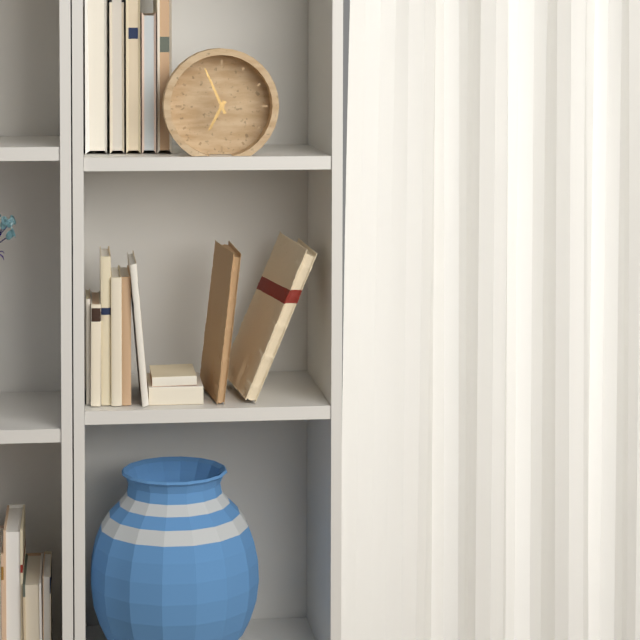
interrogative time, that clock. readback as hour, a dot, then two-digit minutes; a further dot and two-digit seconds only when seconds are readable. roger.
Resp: 6.56
